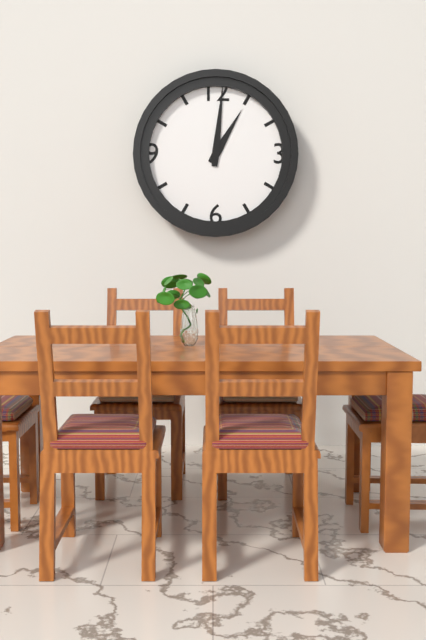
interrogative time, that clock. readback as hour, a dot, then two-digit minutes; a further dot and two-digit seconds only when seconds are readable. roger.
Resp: 1.01
